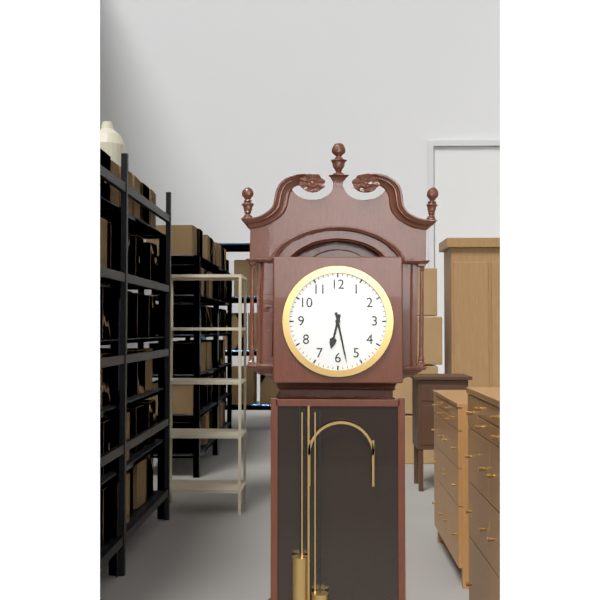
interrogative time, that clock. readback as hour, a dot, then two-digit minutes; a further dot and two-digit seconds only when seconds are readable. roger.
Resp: 6.28
